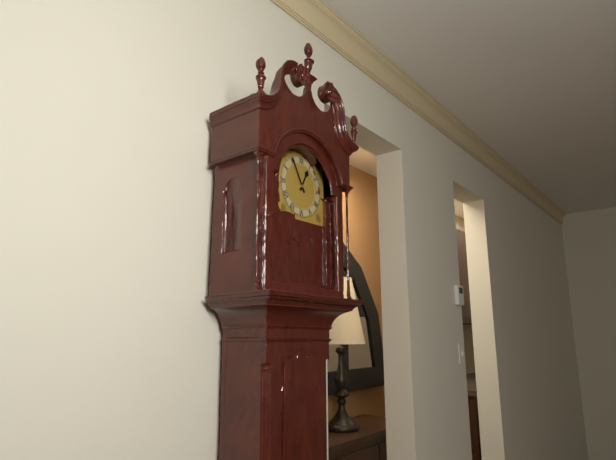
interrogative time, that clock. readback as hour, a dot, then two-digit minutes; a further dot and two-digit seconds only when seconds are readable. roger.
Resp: 12.55
